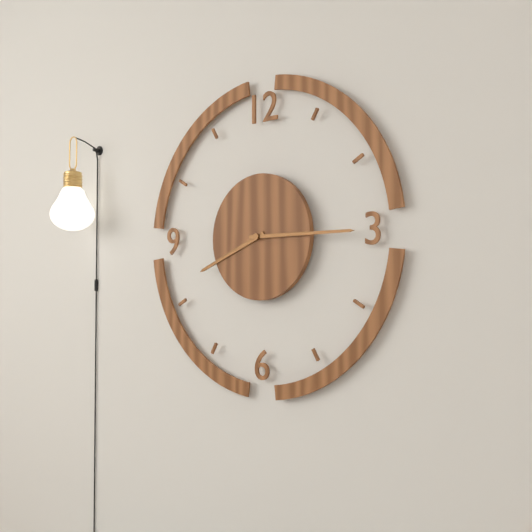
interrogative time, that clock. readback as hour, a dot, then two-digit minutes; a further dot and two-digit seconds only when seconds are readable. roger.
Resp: 8.15
